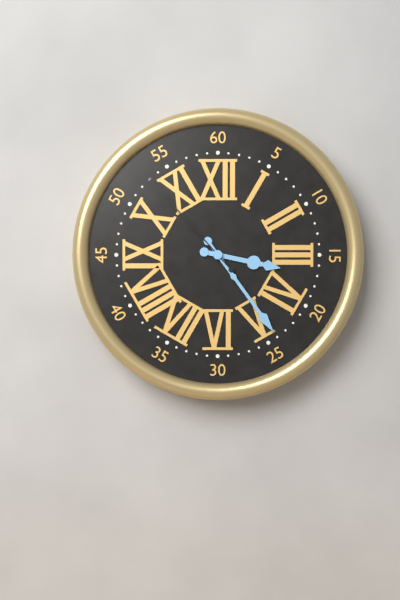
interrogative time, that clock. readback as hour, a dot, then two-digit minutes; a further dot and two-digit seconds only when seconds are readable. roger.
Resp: 3.24.53
